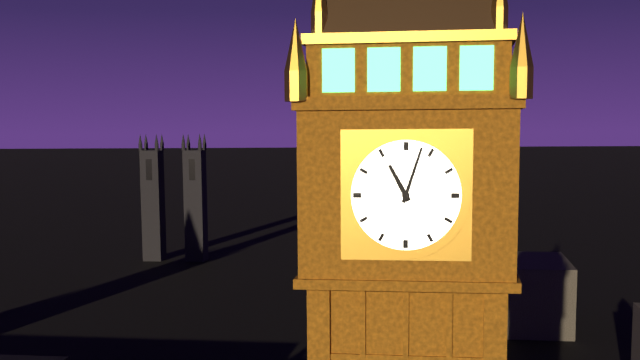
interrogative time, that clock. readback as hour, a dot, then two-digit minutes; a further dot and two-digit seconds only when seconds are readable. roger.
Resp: 11.03
